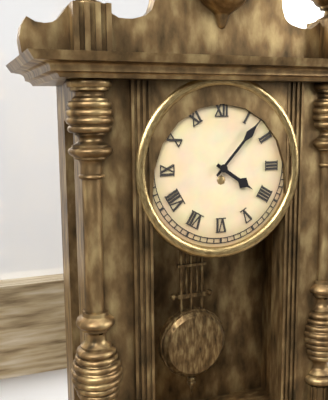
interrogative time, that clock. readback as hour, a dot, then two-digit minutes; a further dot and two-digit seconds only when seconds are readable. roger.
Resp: 4.07
